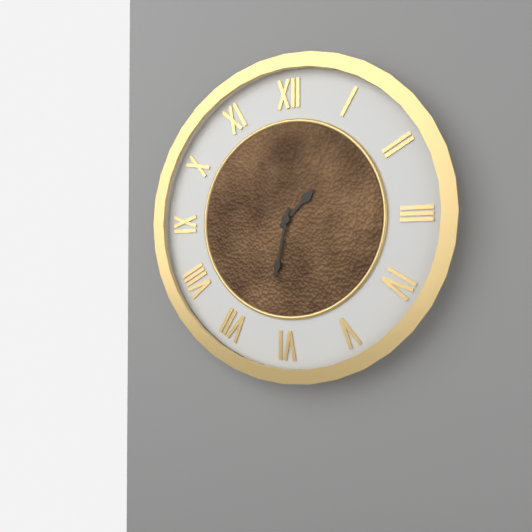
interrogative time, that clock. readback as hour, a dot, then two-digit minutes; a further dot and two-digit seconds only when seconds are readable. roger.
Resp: 1.32
